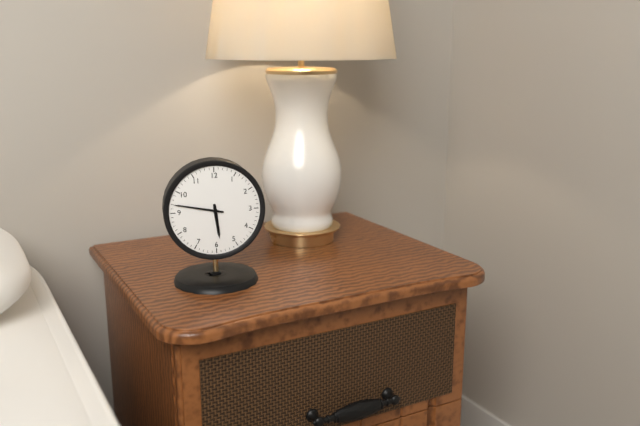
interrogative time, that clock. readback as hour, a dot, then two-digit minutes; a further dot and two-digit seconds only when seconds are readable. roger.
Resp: 5.47
